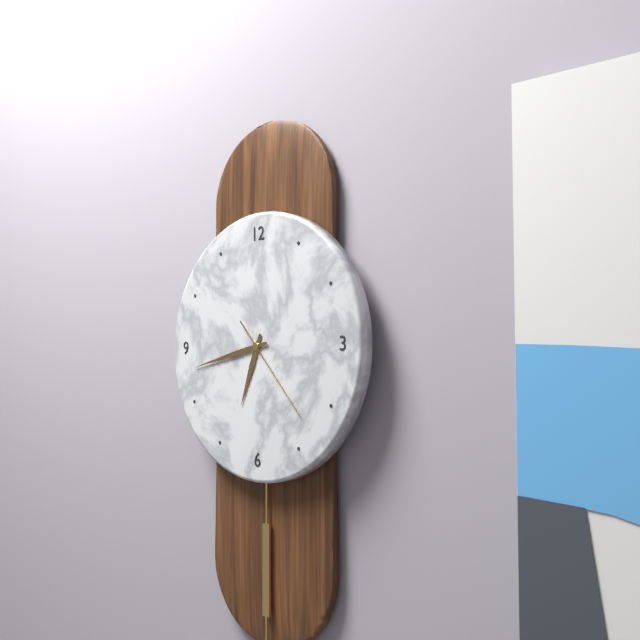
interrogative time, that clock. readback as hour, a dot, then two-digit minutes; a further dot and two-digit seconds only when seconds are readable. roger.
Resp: 6.43.23
